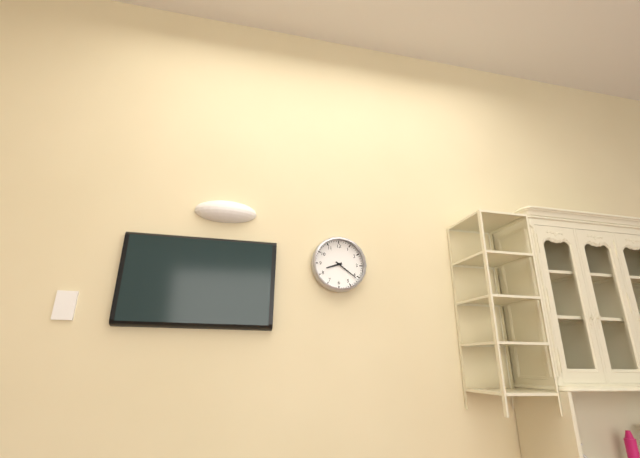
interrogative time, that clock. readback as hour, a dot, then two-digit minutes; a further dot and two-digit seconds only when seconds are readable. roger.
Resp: 8.21
